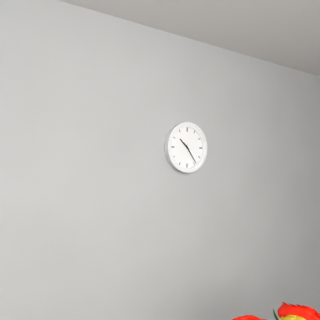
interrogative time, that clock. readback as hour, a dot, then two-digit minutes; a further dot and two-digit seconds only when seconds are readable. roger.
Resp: 10.24
